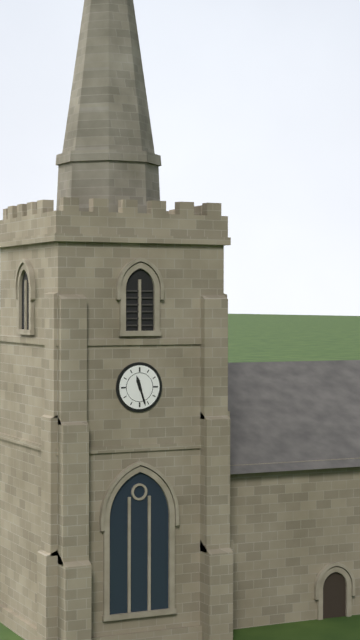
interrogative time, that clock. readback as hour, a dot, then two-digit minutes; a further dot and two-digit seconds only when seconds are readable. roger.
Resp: 11.27
